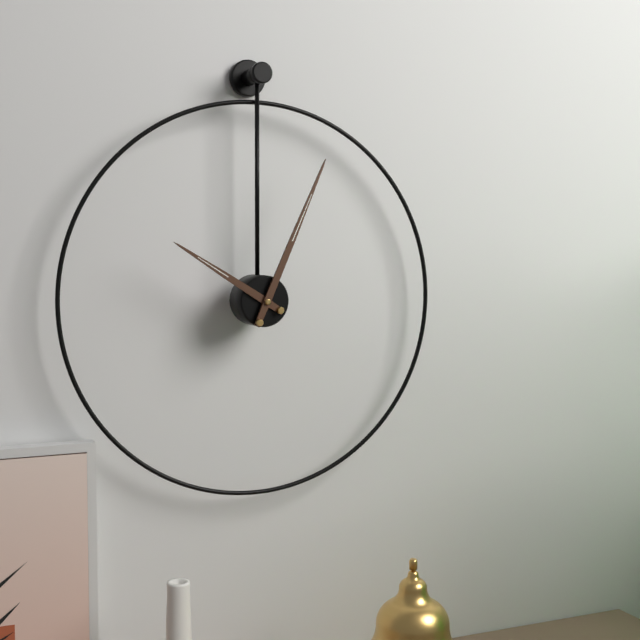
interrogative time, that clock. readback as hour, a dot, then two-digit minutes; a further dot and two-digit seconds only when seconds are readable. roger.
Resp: 10.04
